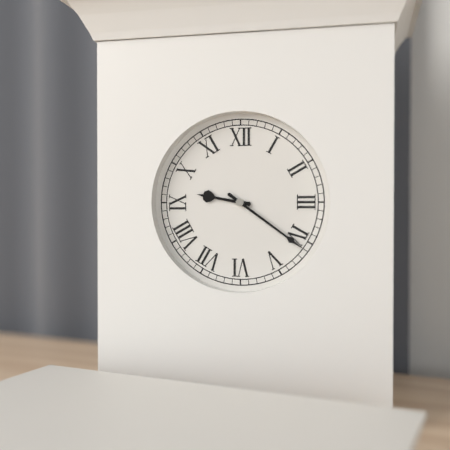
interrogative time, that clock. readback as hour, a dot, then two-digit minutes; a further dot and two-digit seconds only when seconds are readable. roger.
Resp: 9.21
